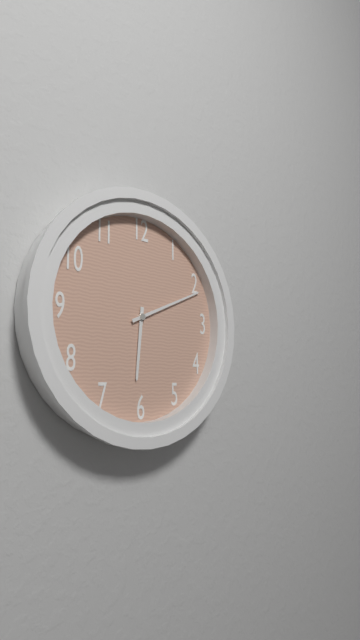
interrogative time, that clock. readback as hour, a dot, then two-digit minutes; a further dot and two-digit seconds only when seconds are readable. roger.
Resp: 6.11
